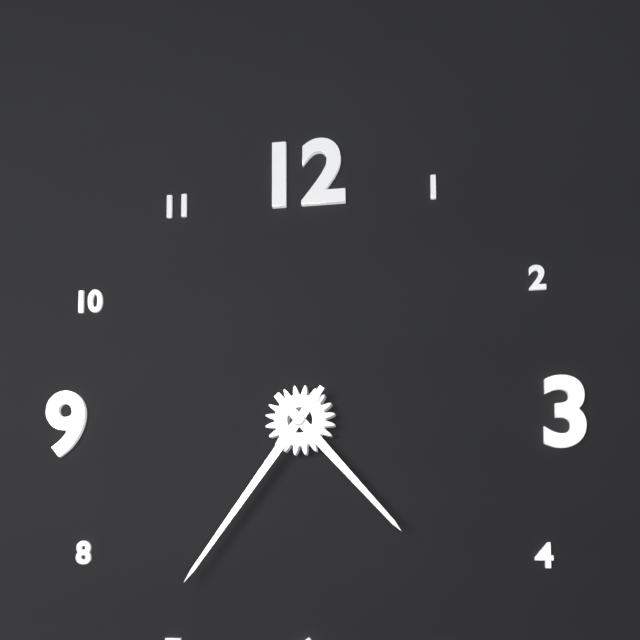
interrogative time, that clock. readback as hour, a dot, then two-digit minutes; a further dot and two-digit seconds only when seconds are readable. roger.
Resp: 4.36
